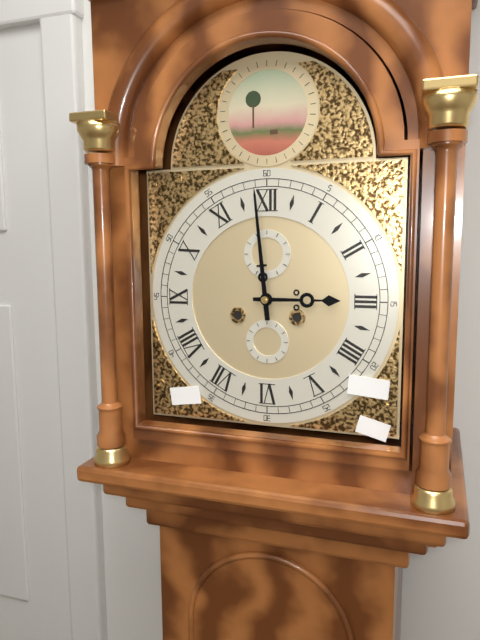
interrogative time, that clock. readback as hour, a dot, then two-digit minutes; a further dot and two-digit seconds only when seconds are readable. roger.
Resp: 2.59
